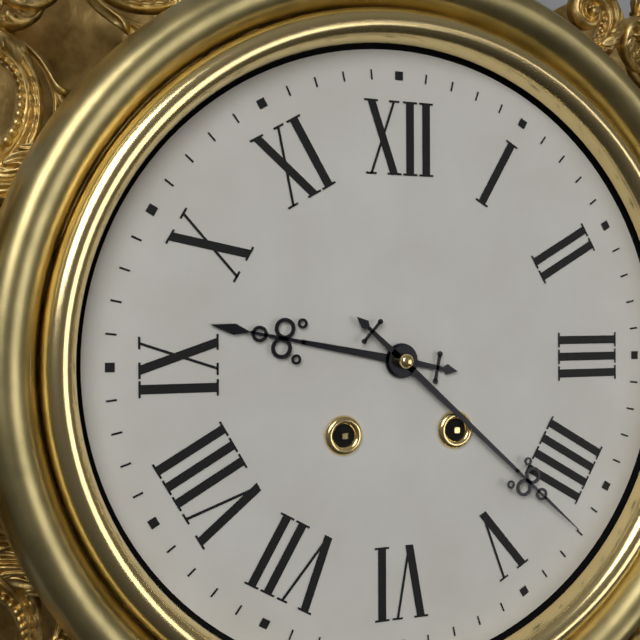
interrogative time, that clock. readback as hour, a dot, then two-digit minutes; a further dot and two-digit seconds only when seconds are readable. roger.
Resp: 9.22
